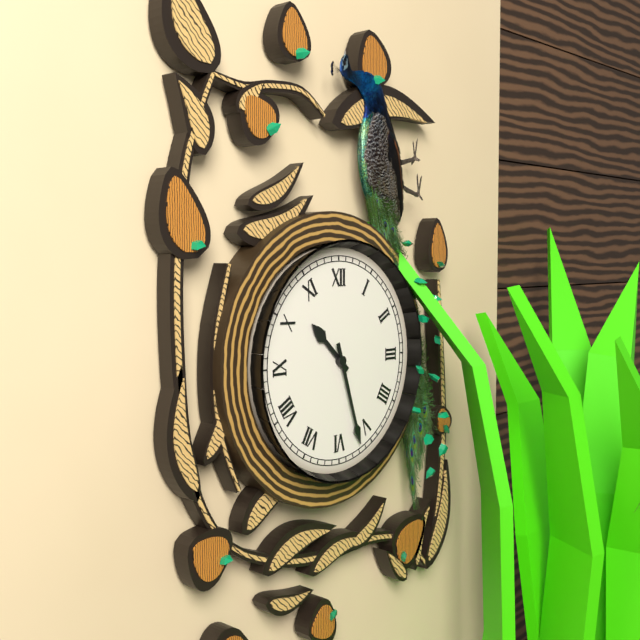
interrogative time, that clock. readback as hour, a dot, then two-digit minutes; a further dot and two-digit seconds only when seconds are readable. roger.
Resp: 10.27
